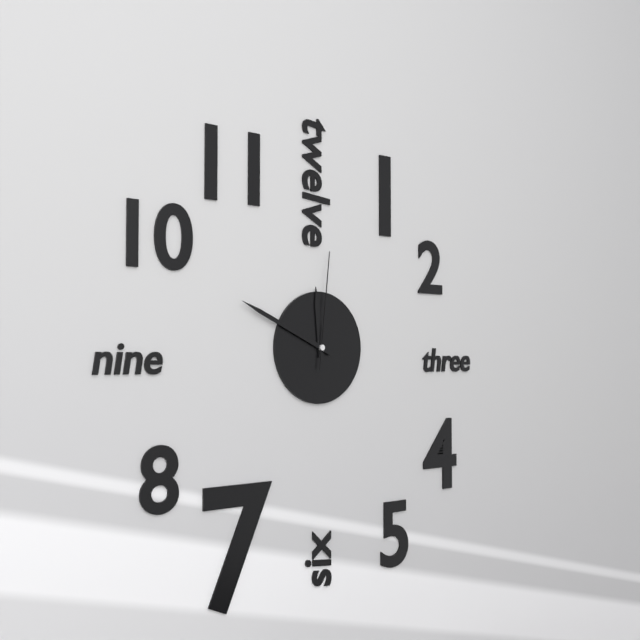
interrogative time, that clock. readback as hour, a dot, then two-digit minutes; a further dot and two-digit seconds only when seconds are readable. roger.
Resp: 11.49.01
